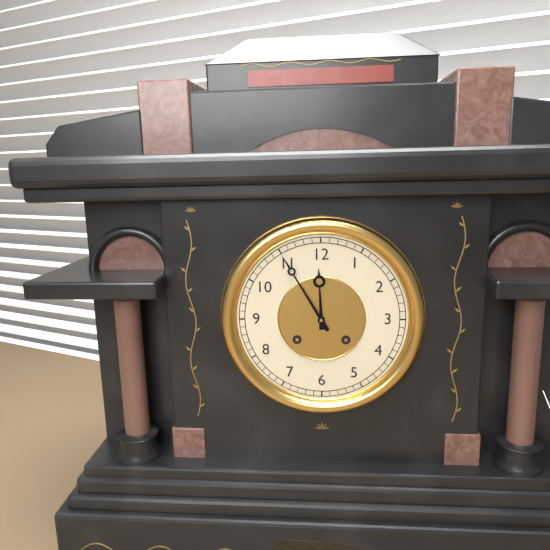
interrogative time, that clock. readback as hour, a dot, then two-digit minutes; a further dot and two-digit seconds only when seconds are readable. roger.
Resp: 11.55
